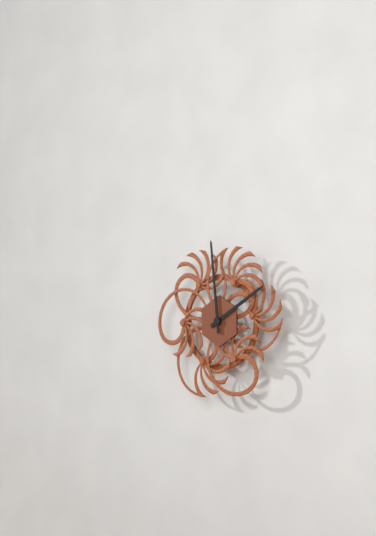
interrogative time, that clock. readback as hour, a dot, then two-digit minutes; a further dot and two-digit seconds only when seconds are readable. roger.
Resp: 1.59
